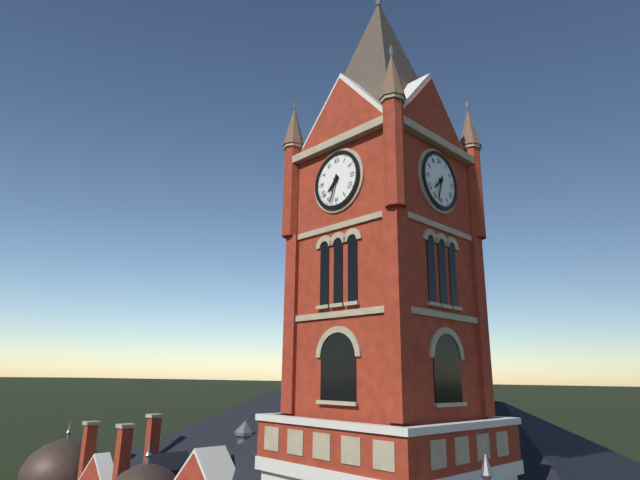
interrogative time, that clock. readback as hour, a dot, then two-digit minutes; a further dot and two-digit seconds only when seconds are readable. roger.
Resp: 7.33
